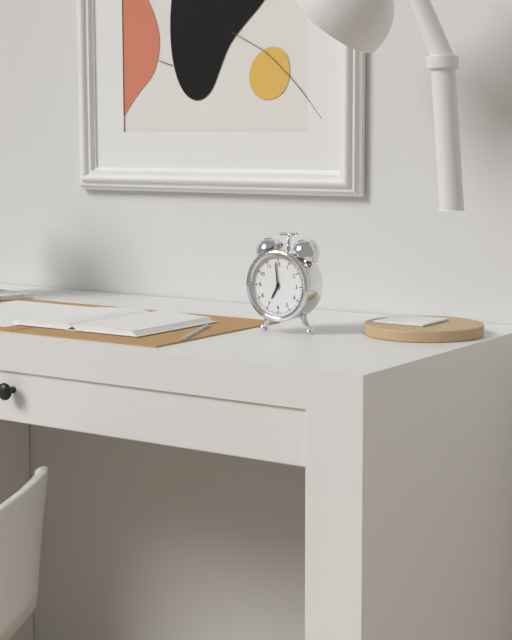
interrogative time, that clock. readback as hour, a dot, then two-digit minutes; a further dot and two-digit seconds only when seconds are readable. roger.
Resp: 6.59
